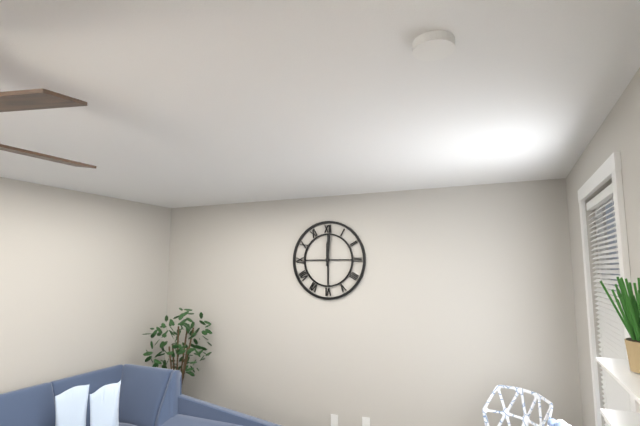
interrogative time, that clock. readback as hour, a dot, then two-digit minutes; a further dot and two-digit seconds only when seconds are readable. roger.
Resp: 12.01
